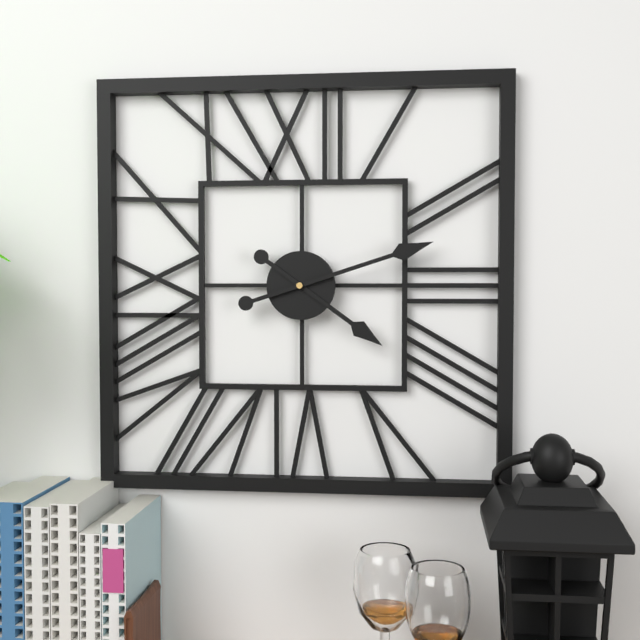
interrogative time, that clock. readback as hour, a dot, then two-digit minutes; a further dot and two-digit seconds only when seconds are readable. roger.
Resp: 4.12
